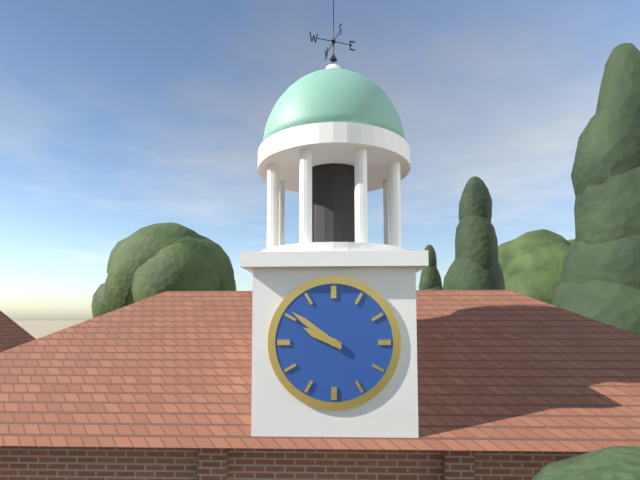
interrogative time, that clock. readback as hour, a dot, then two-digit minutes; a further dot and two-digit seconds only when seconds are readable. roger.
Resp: 9.51
